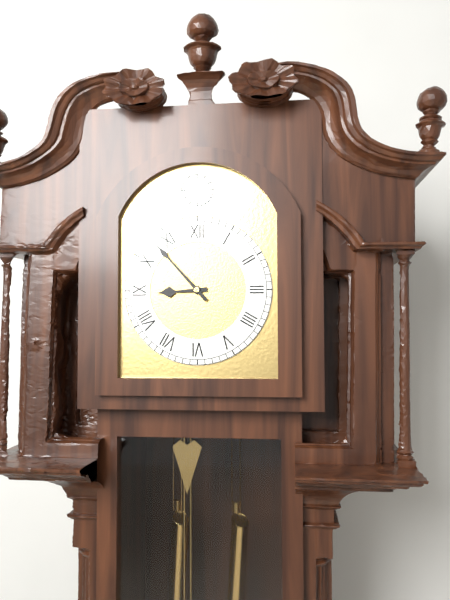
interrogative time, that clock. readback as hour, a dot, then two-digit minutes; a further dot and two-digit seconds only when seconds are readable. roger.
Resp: 8.53
